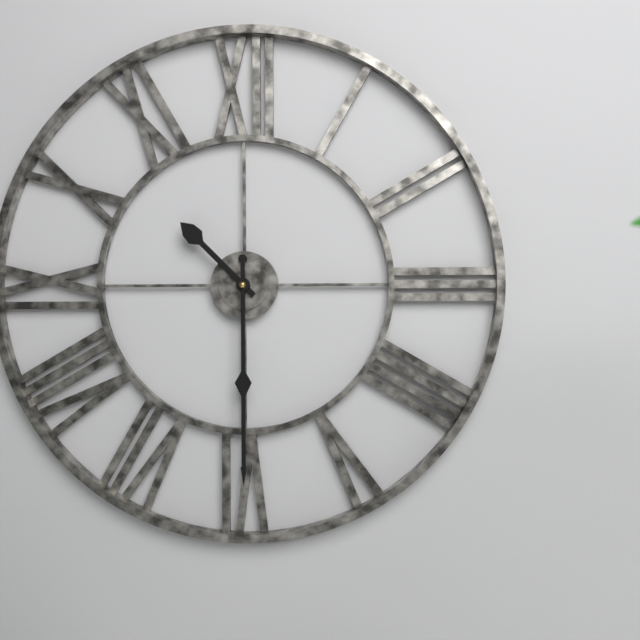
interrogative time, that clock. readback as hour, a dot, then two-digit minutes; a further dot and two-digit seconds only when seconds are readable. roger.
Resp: 10.30
